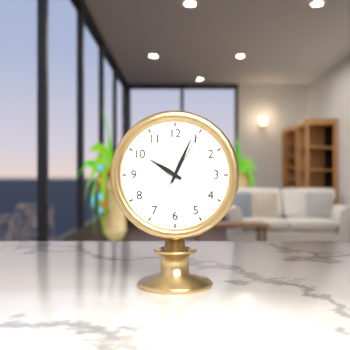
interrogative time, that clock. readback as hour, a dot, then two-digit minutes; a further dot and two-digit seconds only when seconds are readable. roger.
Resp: 10.04.05
